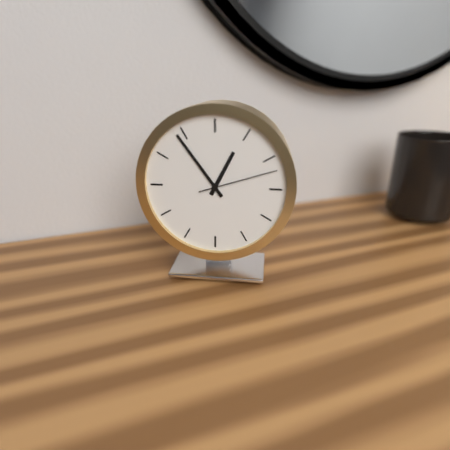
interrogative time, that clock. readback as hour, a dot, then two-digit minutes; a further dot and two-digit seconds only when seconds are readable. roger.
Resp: 12.54.12
